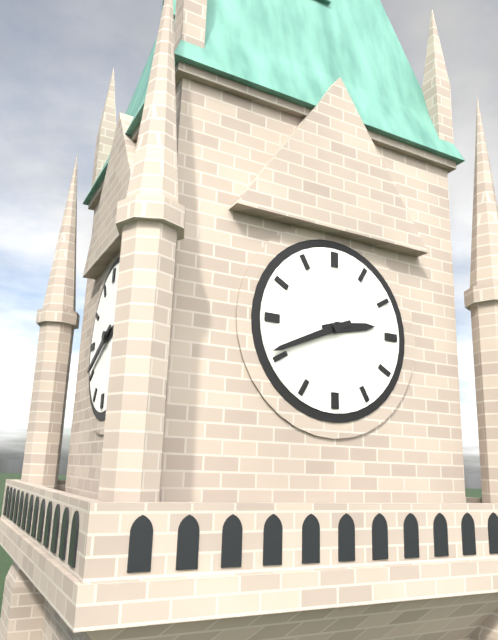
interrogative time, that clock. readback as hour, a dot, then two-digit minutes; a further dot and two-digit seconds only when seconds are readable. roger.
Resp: 2.41
